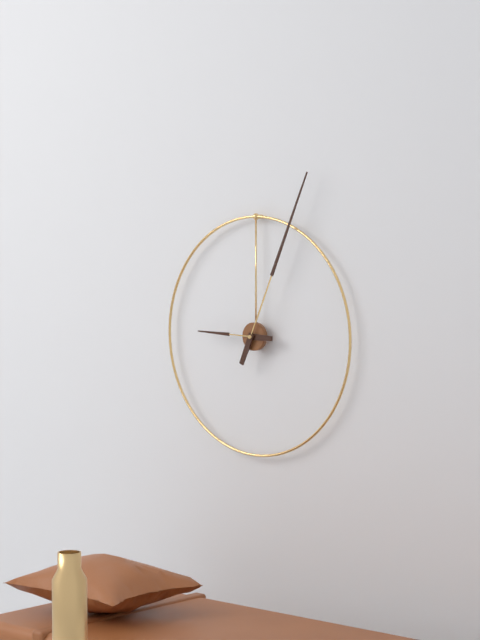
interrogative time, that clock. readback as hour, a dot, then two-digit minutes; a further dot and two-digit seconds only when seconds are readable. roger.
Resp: 9.04
